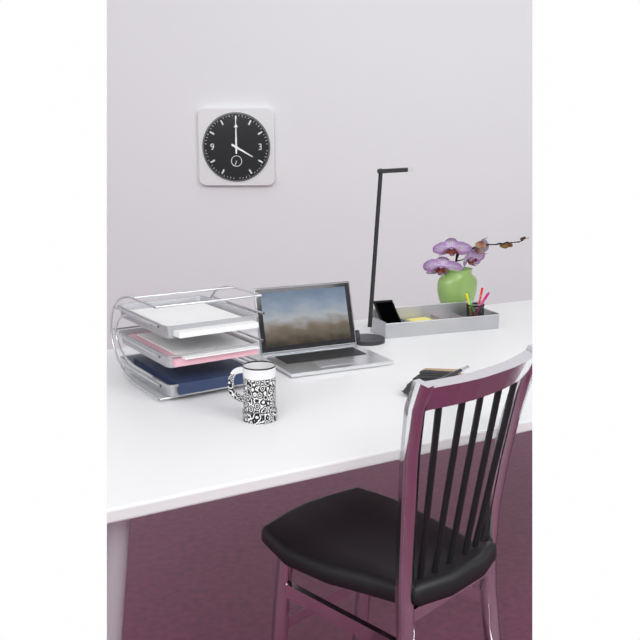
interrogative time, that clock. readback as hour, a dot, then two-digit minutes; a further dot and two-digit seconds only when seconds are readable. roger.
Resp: 4.00
